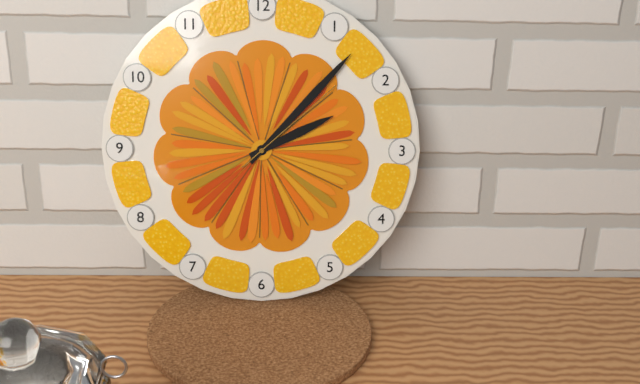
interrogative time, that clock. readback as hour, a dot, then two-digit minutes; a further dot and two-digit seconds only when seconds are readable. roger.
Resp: 2.07.08
